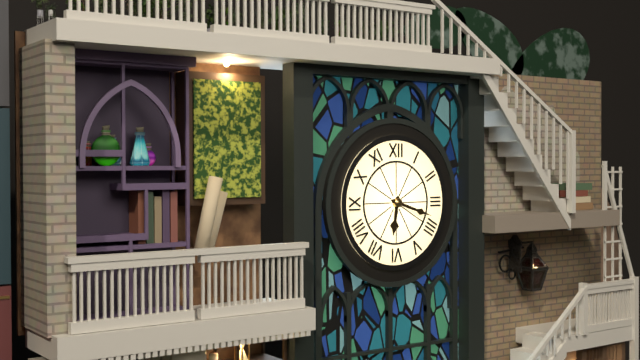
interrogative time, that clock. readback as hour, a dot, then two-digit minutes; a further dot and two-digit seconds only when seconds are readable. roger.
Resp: 6.18
